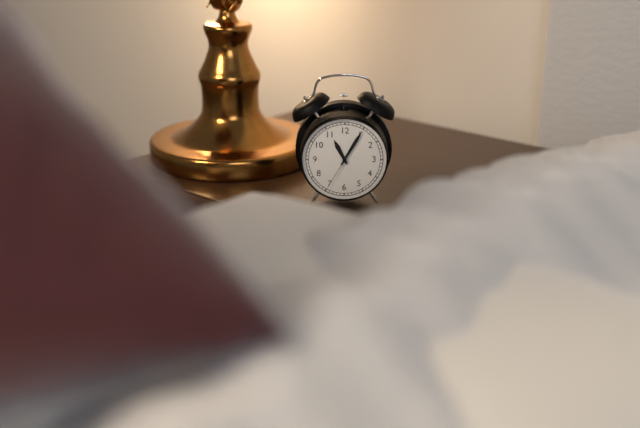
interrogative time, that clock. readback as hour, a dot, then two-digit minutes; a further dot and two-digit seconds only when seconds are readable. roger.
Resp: 11.05
